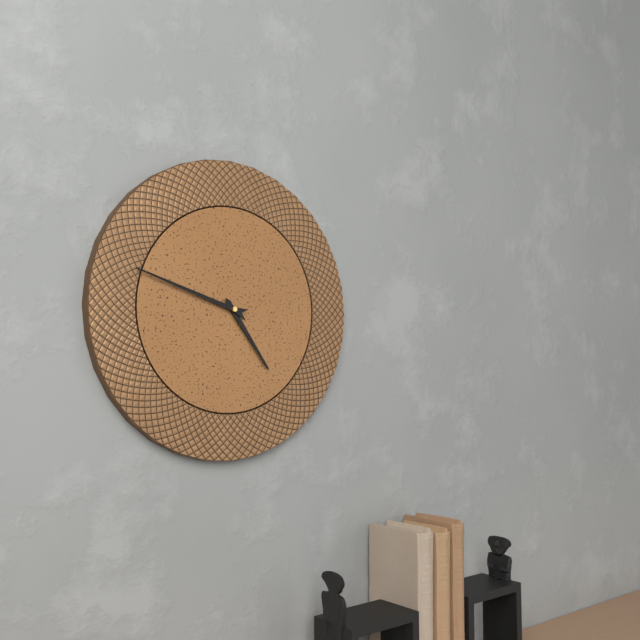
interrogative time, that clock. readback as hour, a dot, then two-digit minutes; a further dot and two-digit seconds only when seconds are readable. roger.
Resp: 4.48
